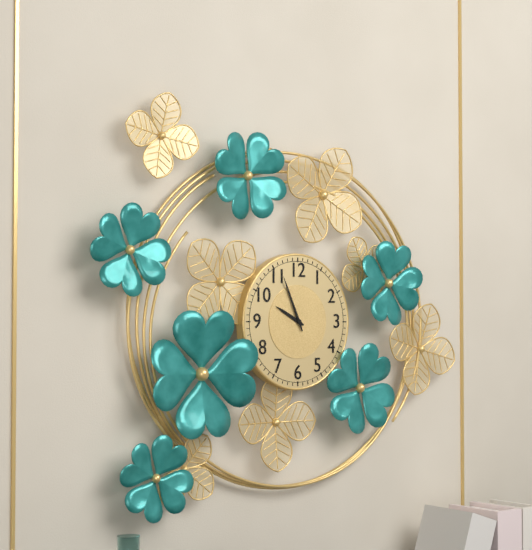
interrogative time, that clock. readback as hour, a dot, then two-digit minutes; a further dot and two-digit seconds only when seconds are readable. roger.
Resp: 9.56
